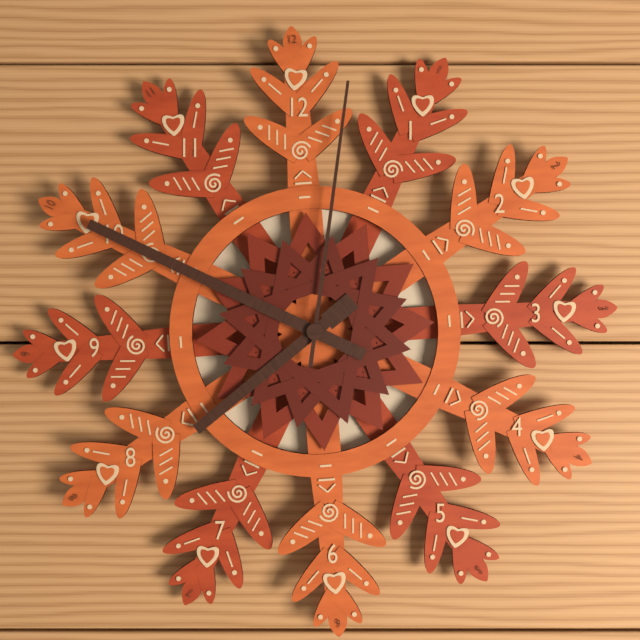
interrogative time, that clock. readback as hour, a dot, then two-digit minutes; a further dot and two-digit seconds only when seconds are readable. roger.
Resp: 7.50.02
